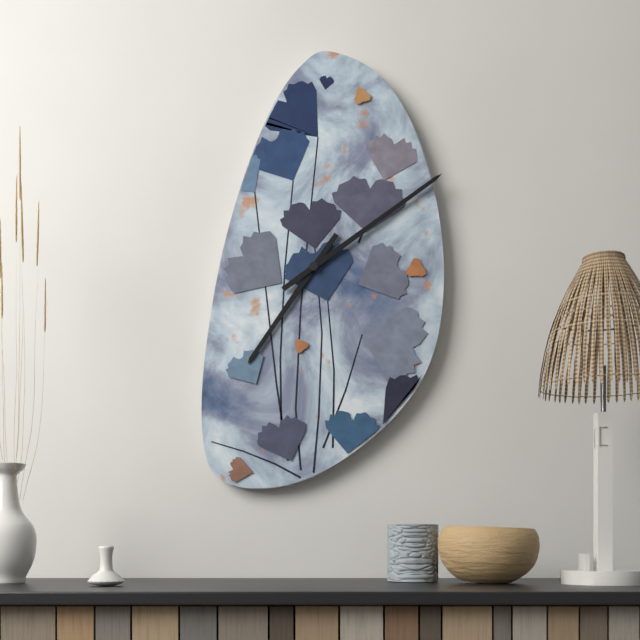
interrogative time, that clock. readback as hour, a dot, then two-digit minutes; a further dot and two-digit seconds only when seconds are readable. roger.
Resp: 7.09
